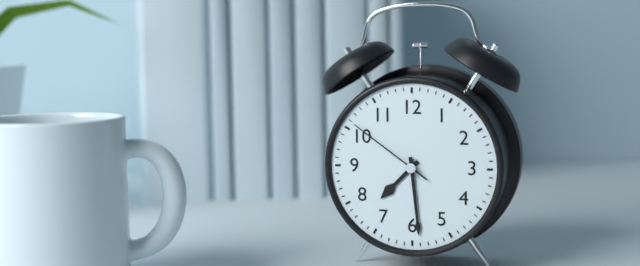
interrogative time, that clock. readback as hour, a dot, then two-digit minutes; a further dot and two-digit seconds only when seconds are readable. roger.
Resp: 7.29.51
